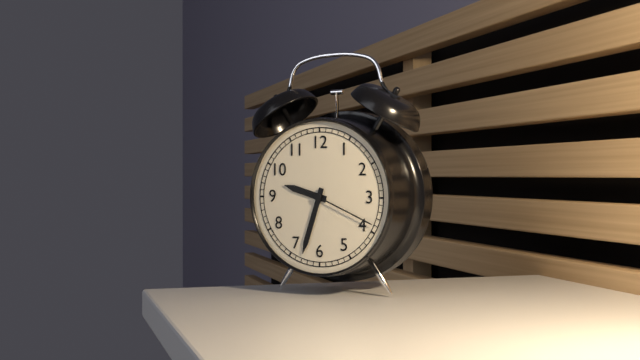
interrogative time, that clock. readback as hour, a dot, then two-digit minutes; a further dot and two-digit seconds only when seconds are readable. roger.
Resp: 9.33.19
